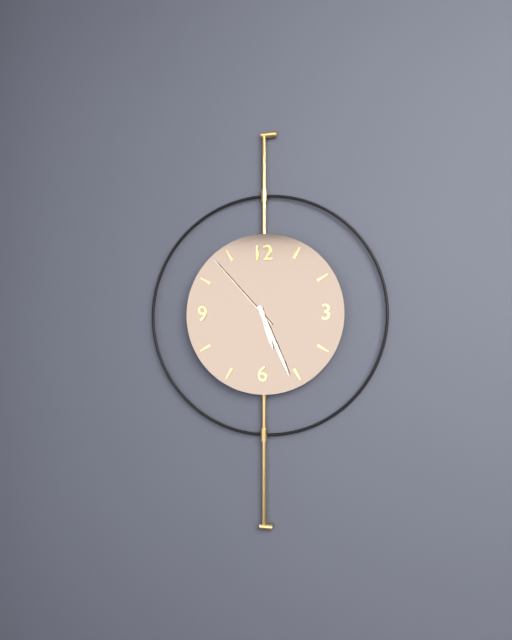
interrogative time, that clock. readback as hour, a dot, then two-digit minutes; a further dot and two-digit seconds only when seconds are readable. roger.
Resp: 5.26.53
